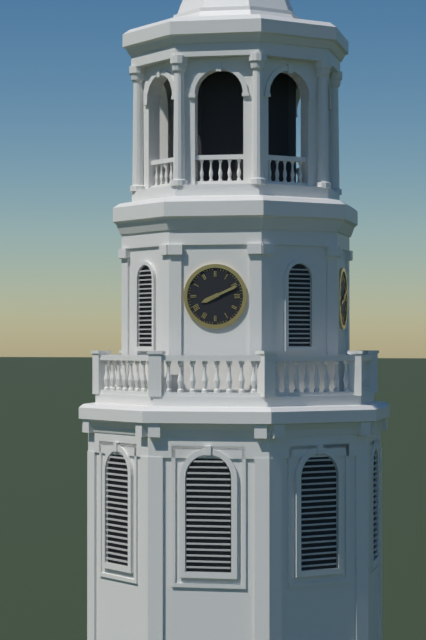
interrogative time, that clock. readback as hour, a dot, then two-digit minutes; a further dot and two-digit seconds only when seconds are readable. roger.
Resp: 8.11
